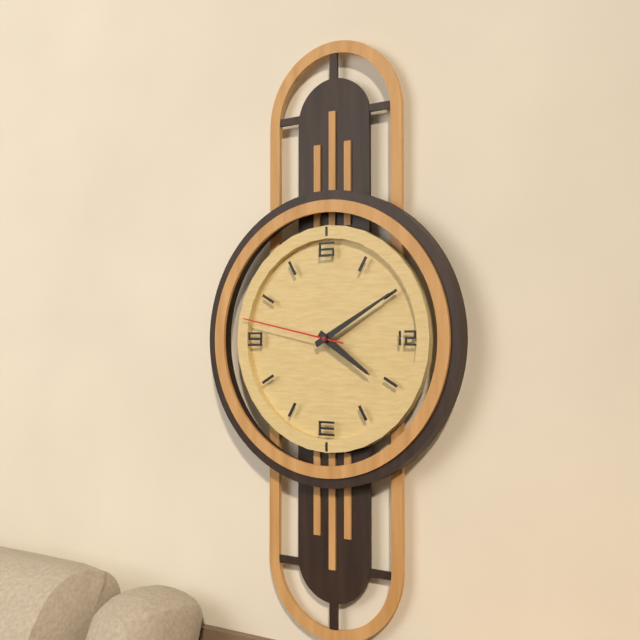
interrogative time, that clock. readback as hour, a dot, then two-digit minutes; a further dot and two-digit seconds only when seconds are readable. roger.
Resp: 4.10.47
